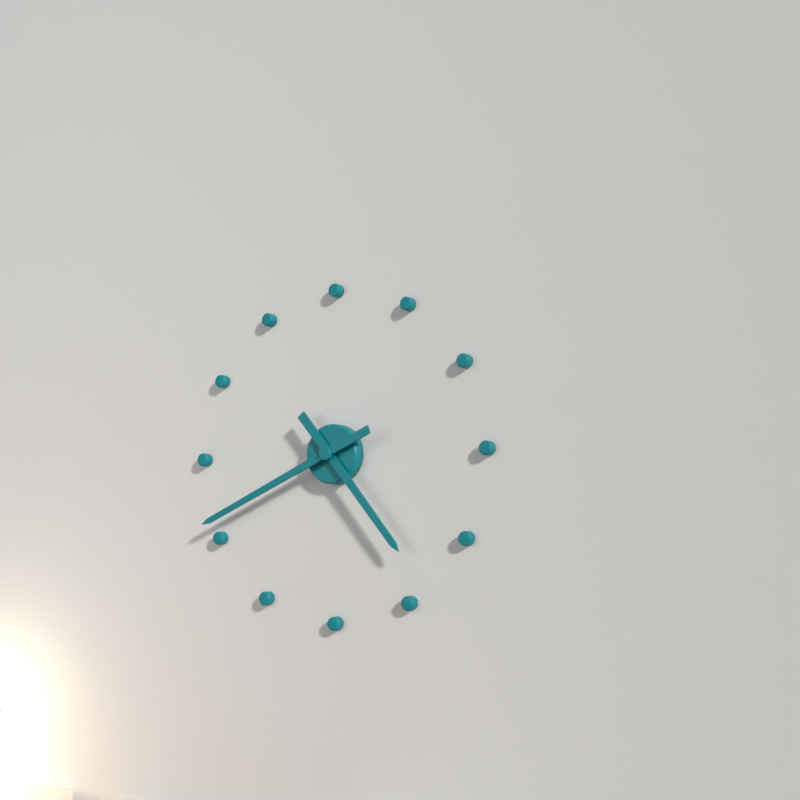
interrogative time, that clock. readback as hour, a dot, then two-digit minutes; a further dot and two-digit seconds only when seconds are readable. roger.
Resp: 4.41
